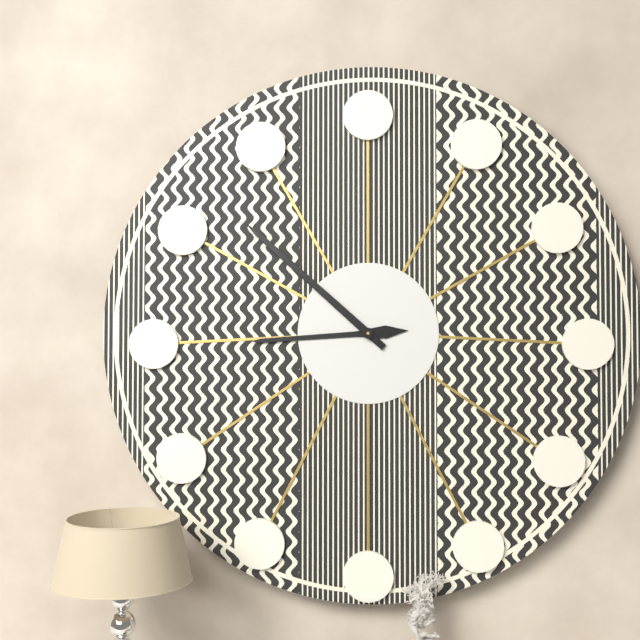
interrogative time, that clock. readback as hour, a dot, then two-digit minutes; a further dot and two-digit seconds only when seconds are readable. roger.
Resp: 8.52
